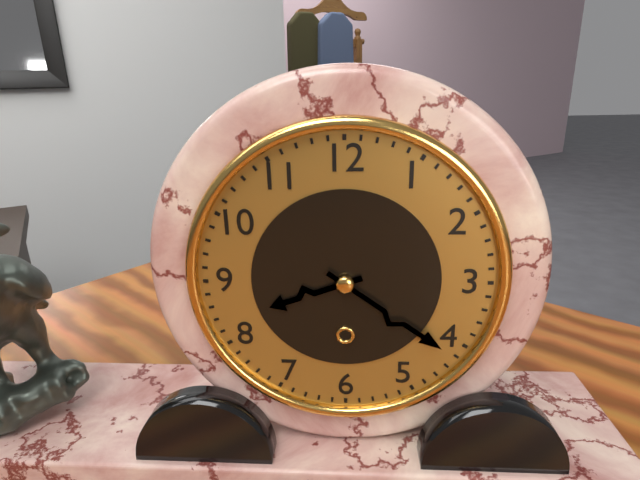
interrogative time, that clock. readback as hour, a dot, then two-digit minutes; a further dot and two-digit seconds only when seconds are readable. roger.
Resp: 8.21
